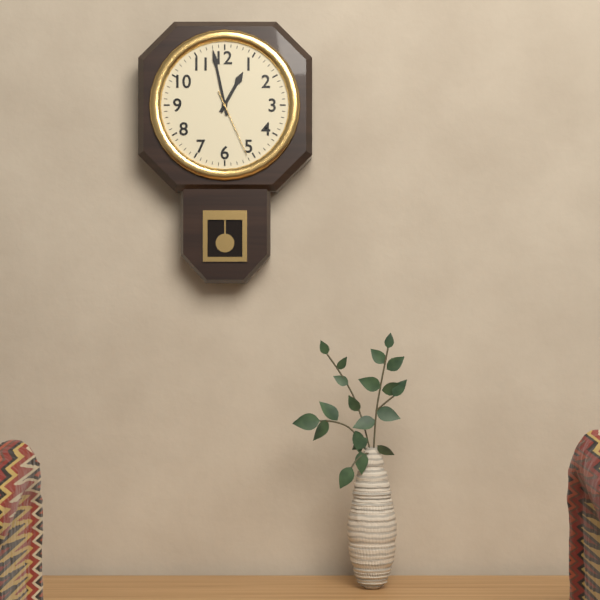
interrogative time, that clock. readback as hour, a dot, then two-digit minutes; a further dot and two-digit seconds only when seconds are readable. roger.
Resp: 12.58.26
